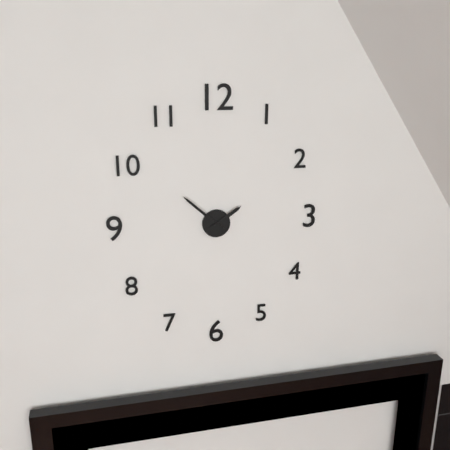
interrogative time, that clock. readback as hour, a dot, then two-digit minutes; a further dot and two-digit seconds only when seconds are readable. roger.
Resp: 1.52
